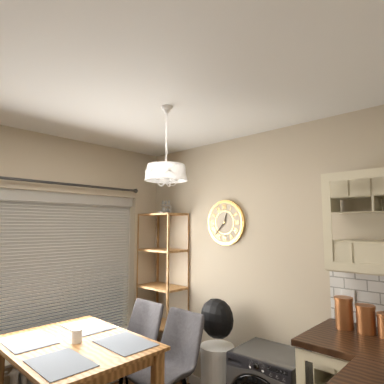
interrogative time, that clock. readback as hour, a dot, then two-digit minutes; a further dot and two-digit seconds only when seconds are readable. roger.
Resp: 12.37
